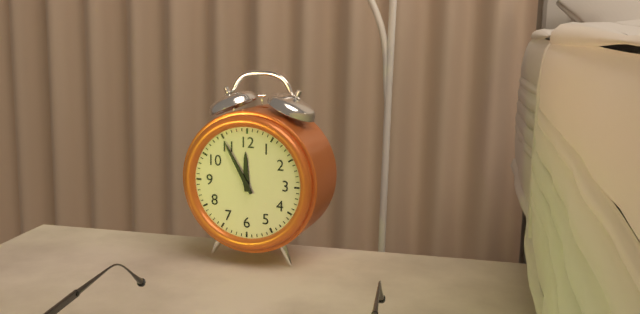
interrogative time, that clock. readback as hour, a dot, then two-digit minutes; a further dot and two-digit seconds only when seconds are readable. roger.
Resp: 11.55
